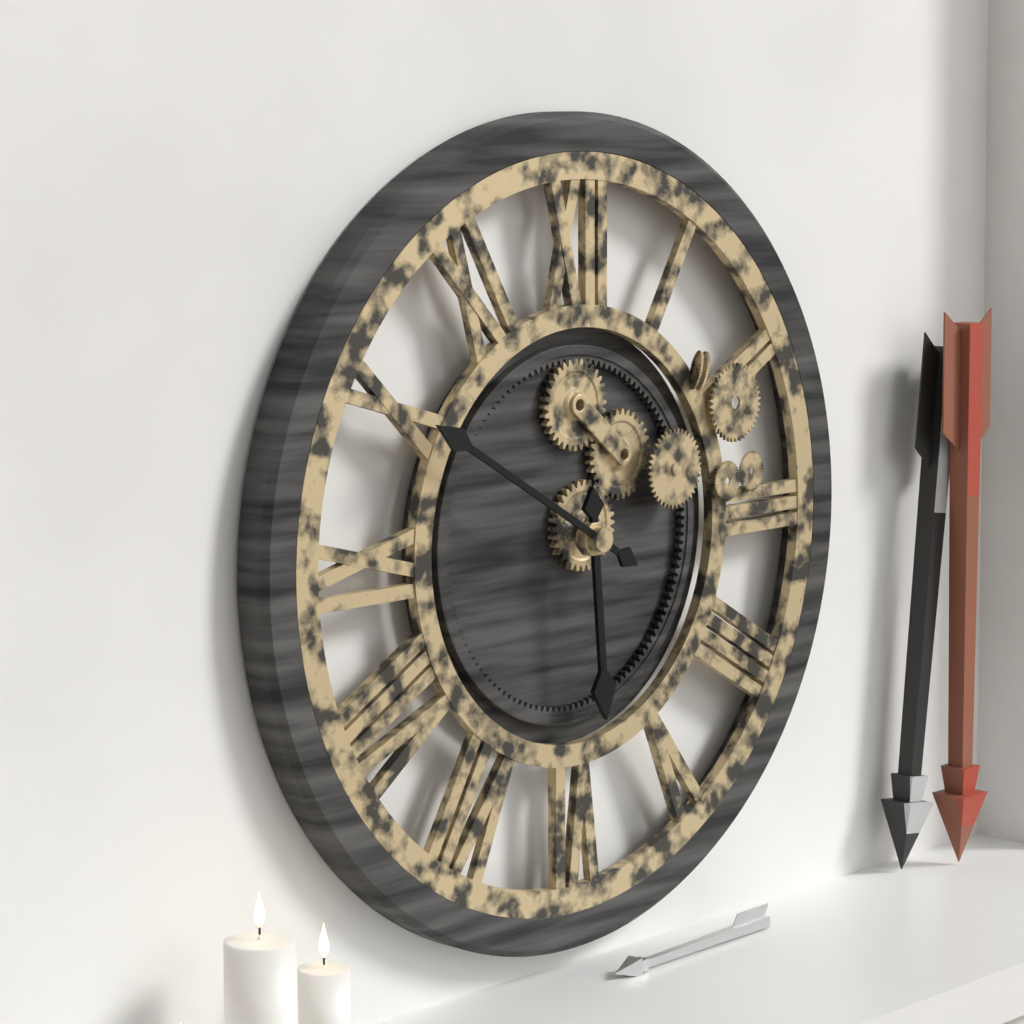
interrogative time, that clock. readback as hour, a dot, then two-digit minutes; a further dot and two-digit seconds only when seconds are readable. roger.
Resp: 5.50
